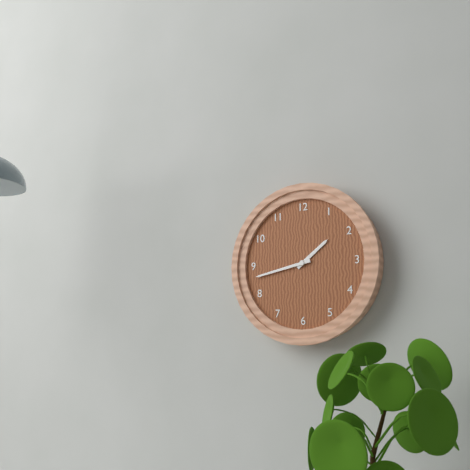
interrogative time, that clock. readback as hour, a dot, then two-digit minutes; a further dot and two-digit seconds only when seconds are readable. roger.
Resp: 1.43
